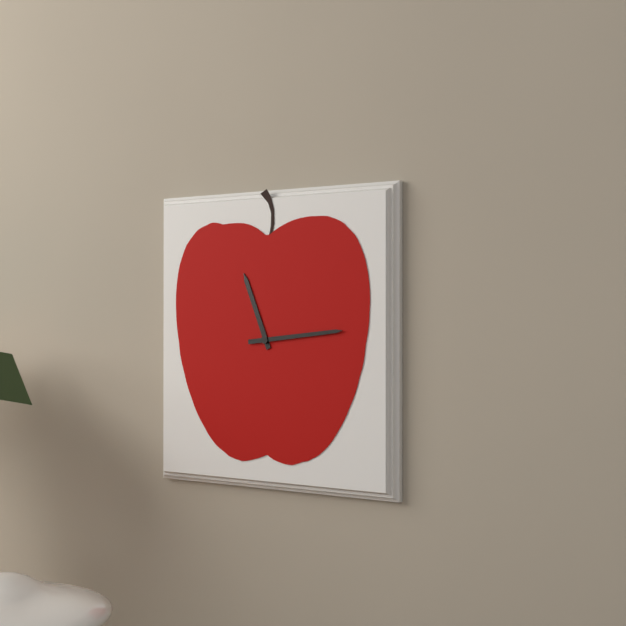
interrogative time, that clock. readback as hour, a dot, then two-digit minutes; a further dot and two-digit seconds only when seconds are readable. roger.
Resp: 11.14
